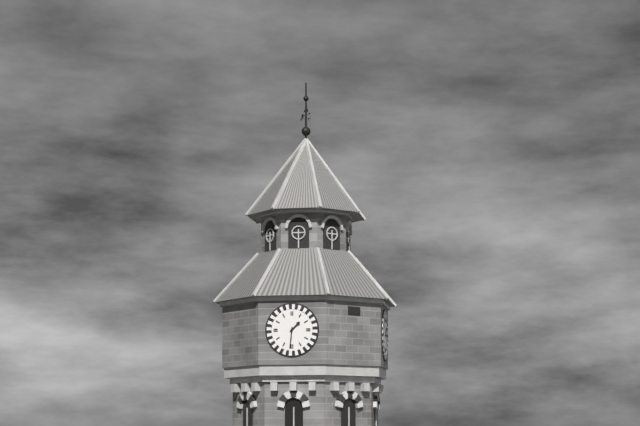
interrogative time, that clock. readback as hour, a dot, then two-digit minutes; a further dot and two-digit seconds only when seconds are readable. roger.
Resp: 1.31
